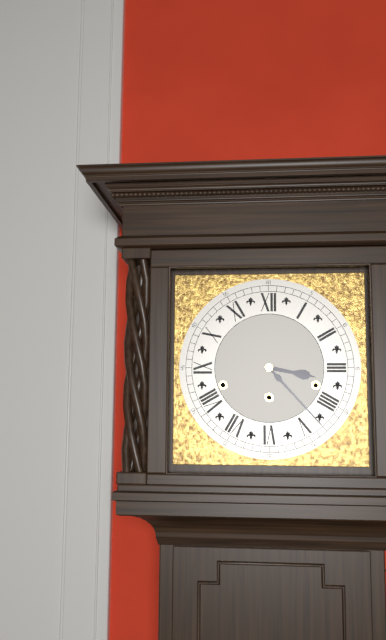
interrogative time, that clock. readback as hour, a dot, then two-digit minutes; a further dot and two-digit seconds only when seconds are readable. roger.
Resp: 3.23
